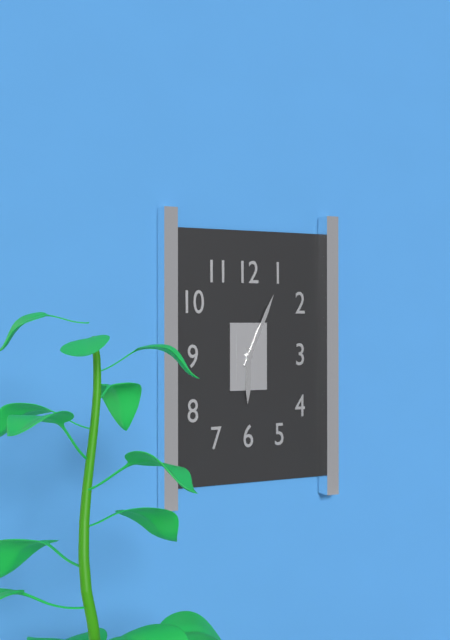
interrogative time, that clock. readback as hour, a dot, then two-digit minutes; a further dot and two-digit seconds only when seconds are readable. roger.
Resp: 6.04
